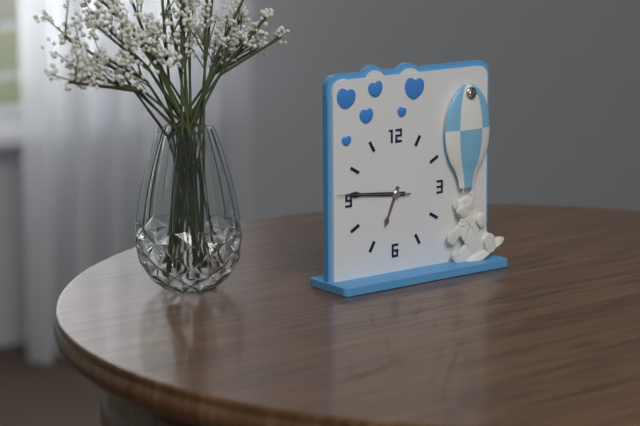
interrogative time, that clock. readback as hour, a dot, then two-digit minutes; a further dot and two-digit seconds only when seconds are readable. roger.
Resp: 6.46.46
